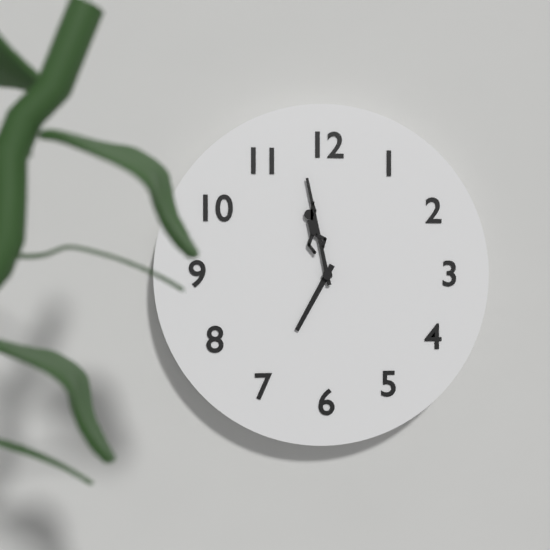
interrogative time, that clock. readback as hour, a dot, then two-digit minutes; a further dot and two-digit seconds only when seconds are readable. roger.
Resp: 6.58
